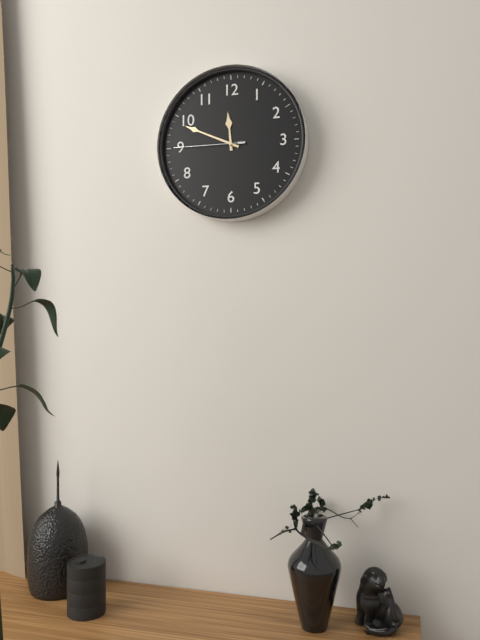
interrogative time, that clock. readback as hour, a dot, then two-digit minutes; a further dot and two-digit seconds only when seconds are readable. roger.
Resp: 11.49.45
